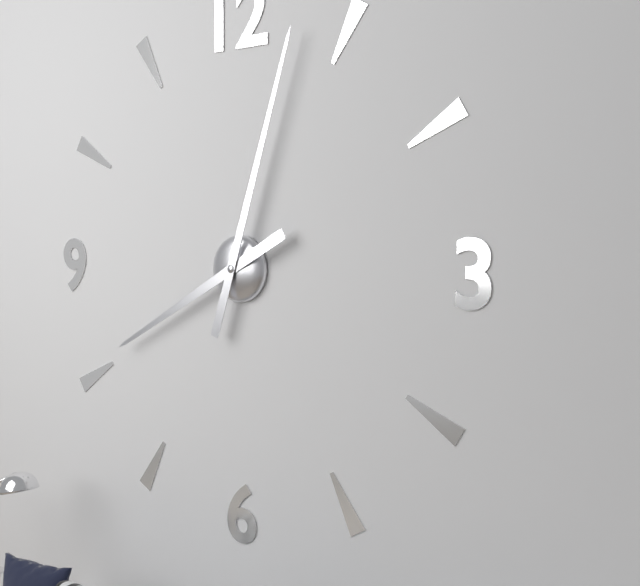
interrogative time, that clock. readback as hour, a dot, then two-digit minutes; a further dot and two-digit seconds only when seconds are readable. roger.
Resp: 8.03
